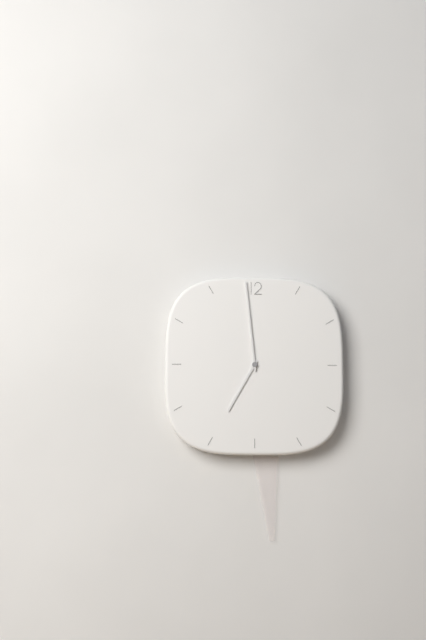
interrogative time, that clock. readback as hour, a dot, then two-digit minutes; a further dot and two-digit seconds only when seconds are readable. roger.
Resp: 6.59
